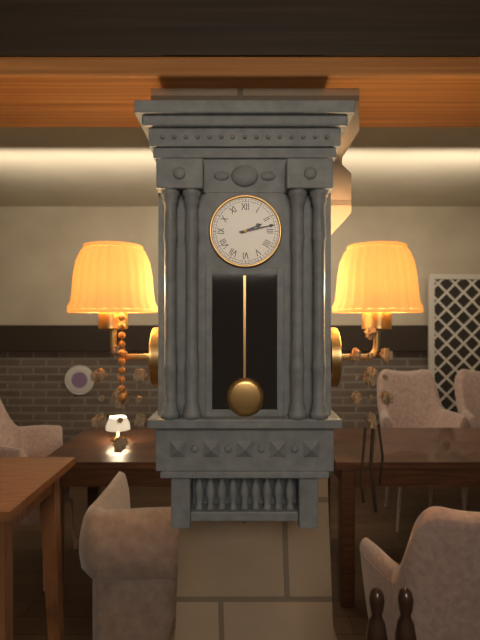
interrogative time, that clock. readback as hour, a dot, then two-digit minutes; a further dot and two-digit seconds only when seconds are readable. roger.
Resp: 2.13
